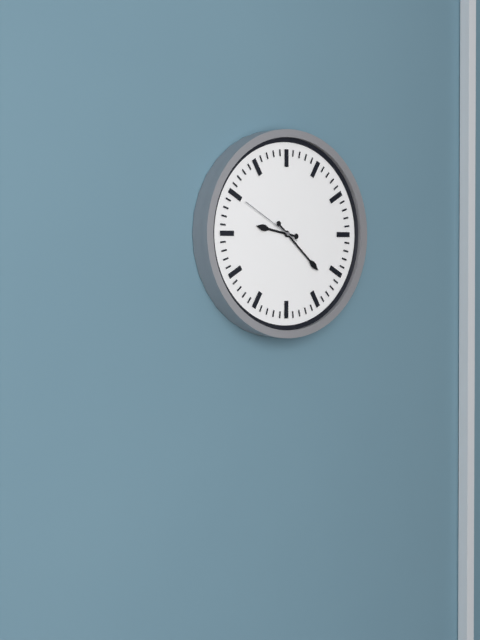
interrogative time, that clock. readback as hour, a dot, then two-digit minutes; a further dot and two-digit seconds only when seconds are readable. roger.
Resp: 9.22.50
